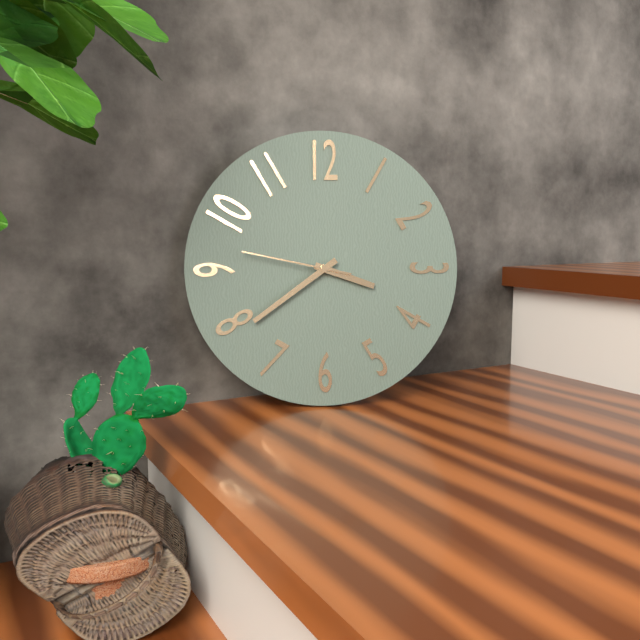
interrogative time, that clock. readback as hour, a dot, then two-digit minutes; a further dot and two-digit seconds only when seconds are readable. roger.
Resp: 3.39.47
